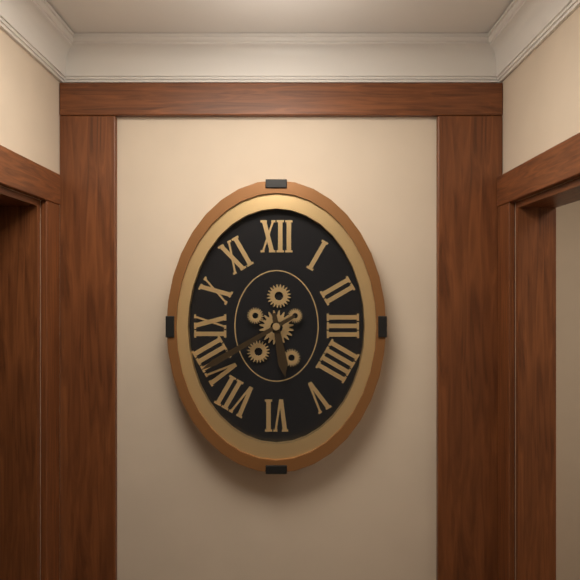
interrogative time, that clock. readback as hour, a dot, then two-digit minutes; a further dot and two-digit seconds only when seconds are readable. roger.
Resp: 5.40
